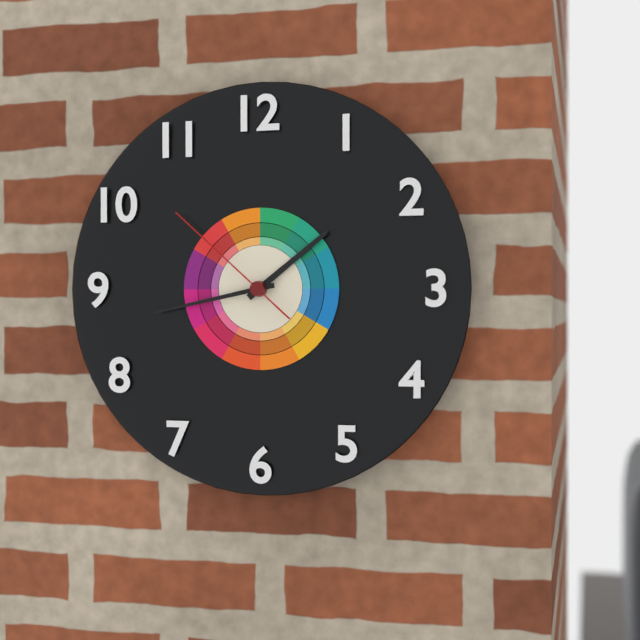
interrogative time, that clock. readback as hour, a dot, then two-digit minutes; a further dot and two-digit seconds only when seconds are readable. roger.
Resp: 1.43.52
